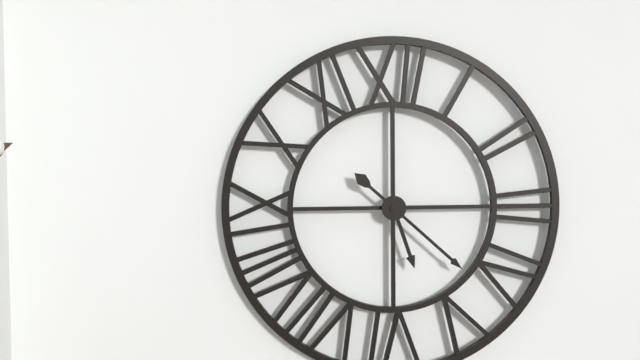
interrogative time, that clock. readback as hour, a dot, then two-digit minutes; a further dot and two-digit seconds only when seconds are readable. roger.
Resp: 5.22
